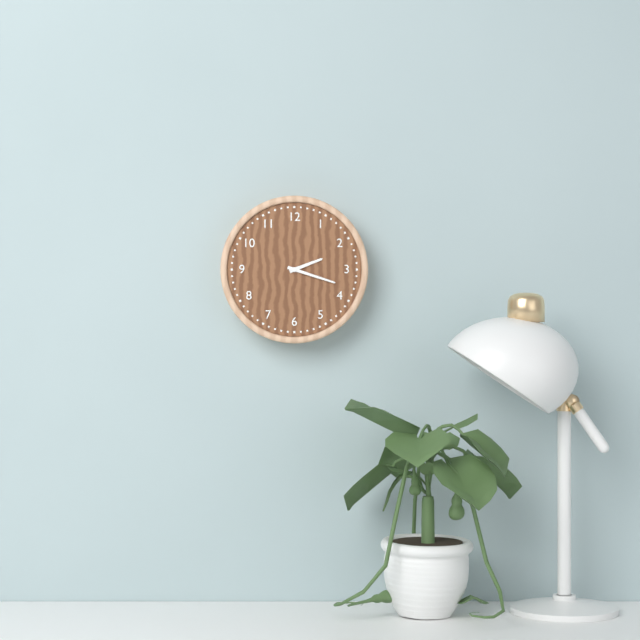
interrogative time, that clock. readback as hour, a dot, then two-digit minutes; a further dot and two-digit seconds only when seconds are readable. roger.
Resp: 2.18
